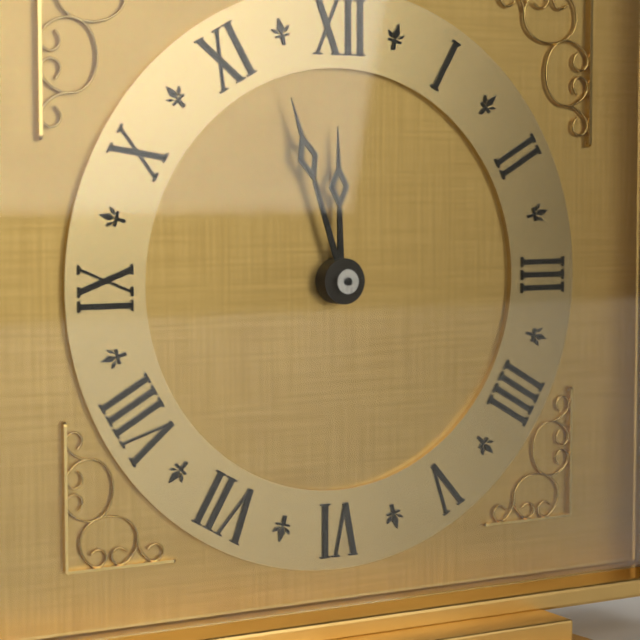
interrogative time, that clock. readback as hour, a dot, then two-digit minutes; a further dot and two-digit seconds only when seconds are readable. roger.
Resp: 11.57
